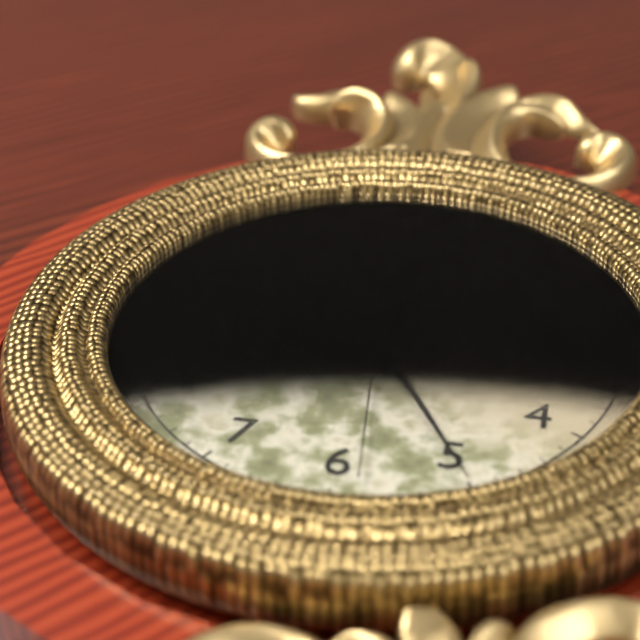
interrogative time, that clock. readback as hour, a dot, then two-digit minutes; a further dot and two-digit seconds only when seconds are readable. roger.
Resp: 8.25.29
